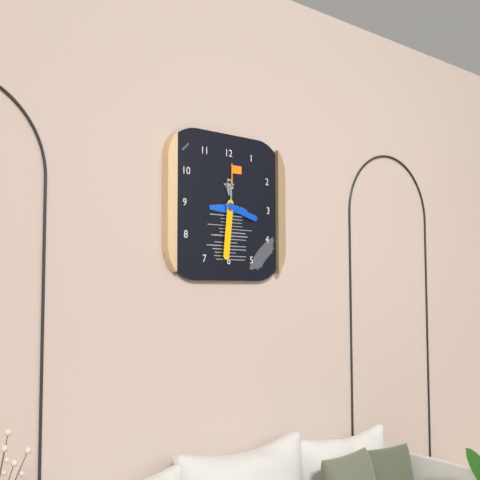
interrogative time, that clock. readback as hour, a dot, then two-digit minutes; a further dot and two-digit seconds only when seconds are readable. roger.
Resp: 3.31
